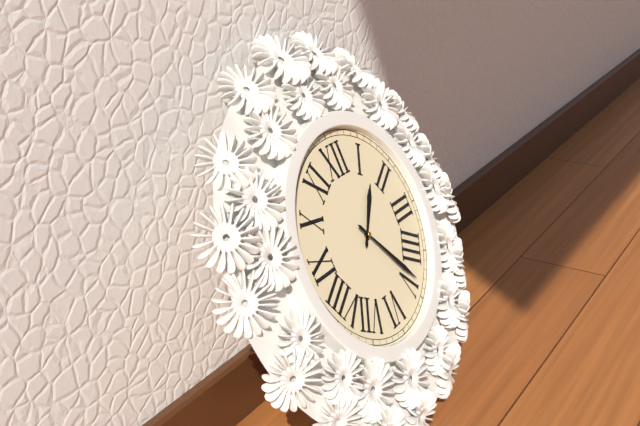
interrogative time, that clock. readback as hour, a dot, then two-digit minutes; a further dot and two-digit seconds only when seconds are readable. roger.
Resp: 1.24
